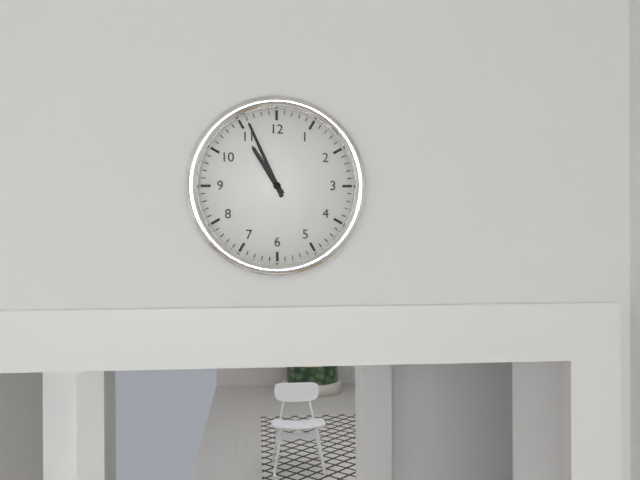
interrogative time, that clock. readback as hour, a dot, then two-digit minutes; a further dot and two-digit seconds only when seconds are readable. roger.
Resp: 10.56
